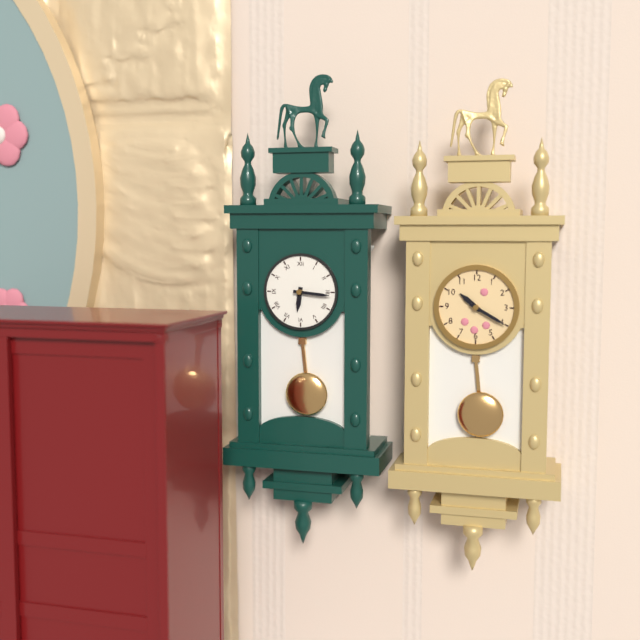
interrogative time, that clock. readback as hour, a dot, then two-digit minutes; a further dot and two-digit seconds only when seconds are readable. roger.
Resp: 6.16
